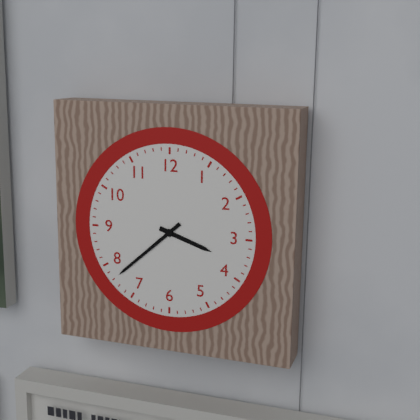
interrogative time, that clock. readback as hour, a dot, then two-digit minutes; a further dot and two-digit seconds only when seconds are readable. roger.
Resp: 3.38
